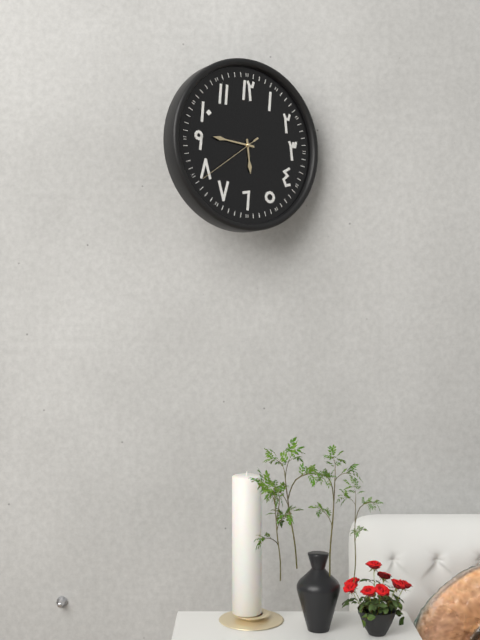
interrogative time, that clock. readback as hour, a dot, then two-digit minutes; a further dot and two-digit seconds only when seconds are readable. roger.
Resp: 5.46.39
